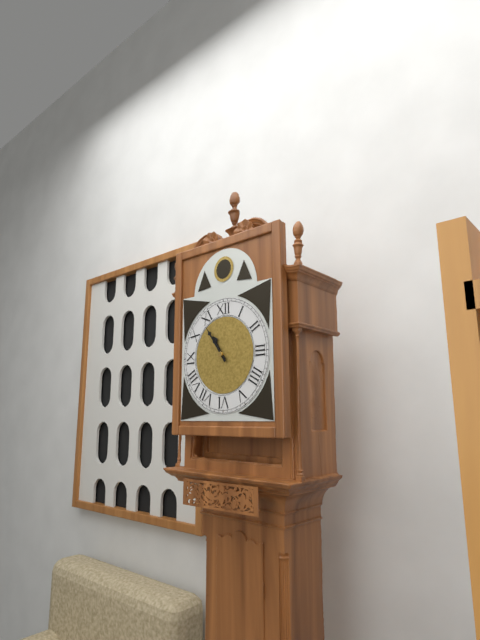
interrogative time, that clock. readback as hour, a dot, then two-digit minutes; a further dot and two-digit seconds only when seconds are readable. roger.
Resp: 10.54
